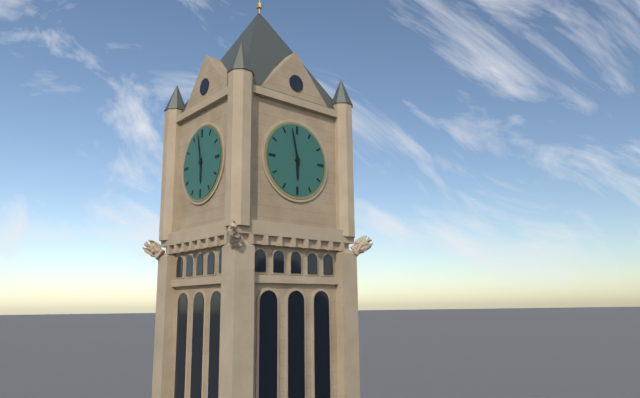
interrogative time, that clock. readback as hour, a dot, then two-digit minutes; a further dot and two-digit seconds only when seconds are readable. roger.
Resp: 5.58
